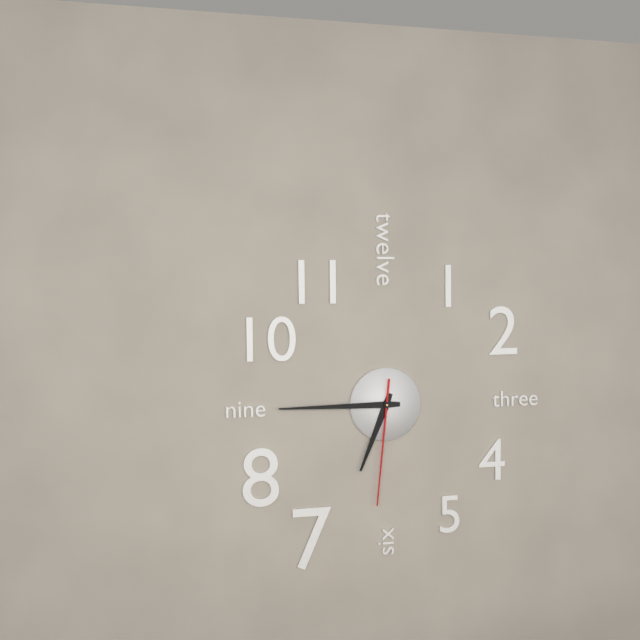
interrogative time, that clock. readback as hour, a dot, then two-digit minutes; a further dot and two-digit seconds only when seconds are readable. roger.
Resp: 6.45.31
